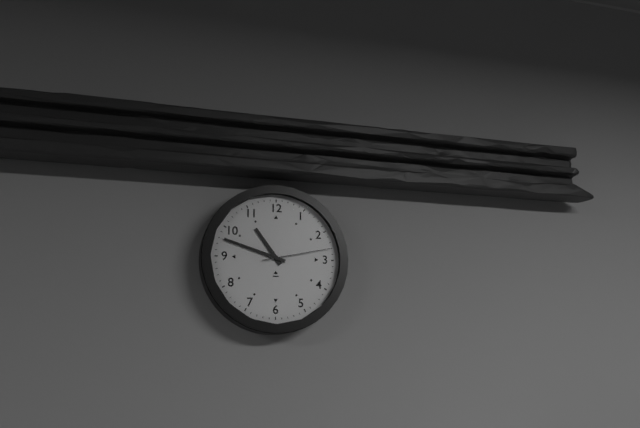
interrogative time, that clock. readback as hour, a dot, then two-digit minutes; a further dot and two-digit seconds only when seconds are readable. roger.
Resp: 10.48.13
